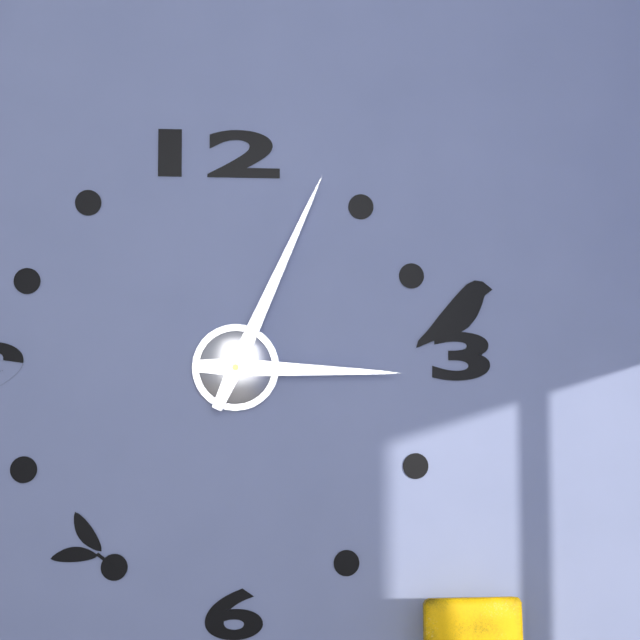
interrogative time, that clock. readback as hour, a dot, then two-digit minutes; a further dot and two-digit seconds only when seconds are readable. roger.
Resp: 3.04
